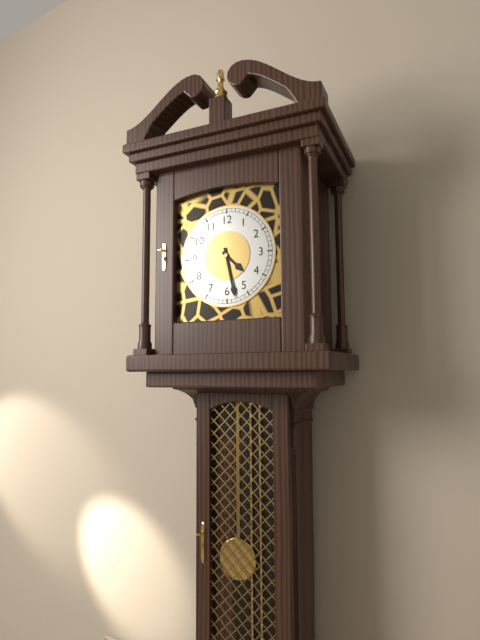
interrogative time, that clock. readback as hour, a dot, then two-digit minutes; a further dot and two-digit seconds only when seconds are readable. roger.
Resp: 4.28
